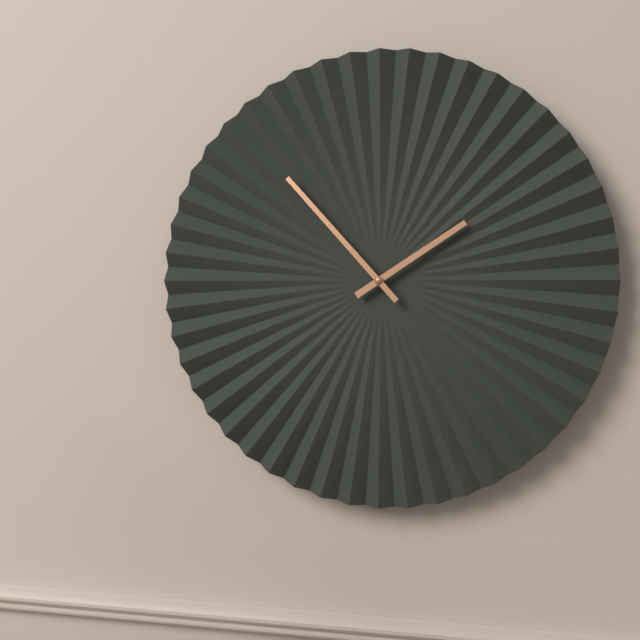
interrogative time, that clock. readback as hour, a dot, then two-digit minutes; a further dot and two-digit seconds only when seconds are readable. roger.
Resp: 1.53
